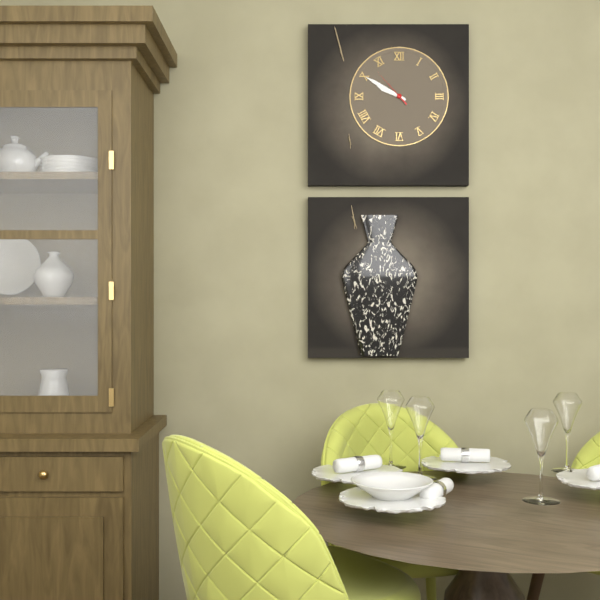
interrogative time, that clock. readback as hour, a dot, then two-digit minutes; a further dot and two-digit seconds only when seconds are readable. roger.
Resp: 9.50
